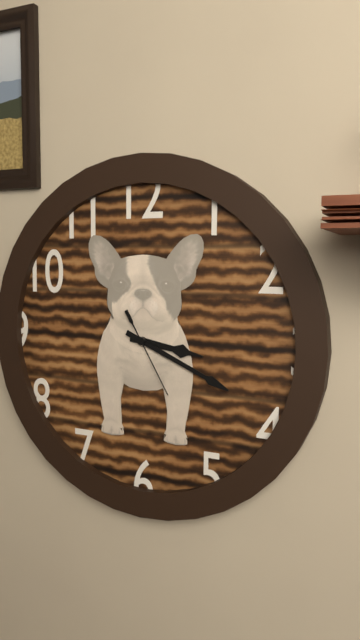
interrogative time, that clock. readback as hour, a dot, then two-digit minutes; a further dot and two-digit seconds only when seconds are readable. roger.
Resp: 3.19.25
